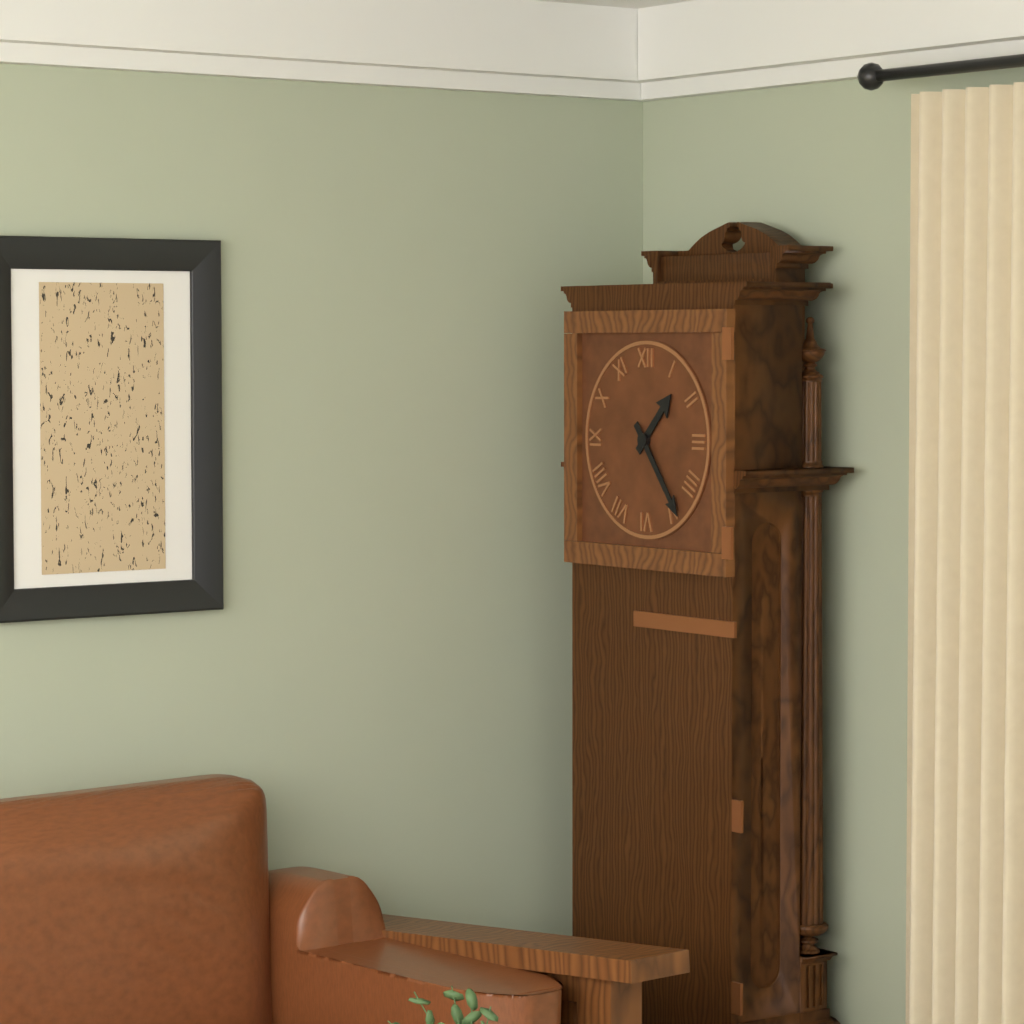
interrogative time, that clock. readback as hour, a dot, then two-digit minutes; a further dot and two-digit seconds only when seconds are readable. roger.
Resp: 1.24
